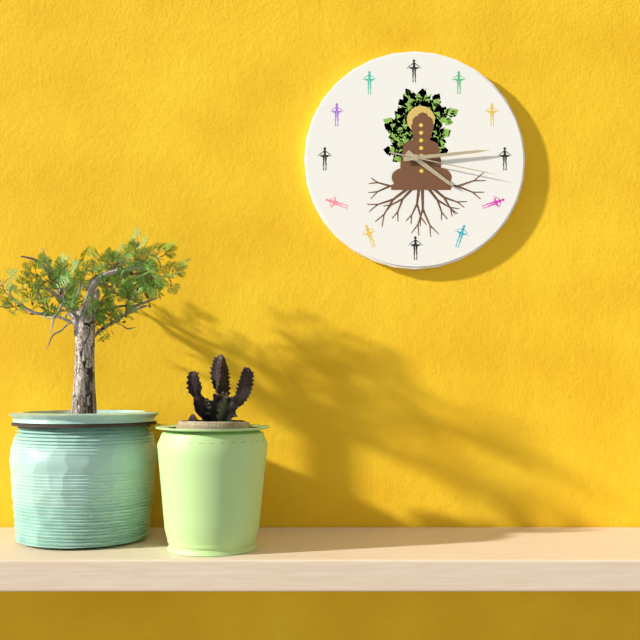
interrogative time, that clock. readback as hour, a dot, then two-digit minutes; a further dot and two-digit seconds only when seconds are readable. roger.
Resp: 4.14.17
